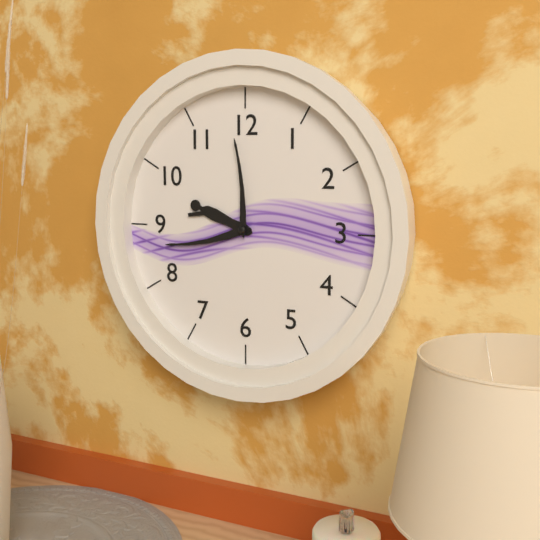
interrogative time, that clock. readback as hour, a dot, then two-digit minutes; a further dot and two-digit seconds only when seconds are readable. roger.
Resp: 9.43.59
